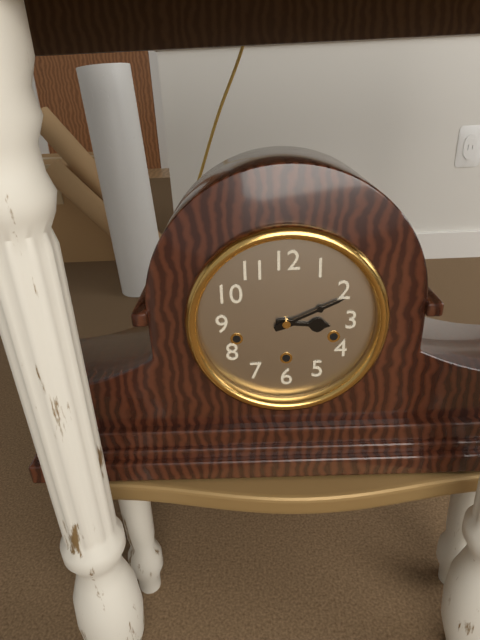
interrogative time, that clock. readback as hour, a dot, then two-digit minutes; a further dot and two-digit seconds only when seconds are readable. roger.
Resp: 3.11
